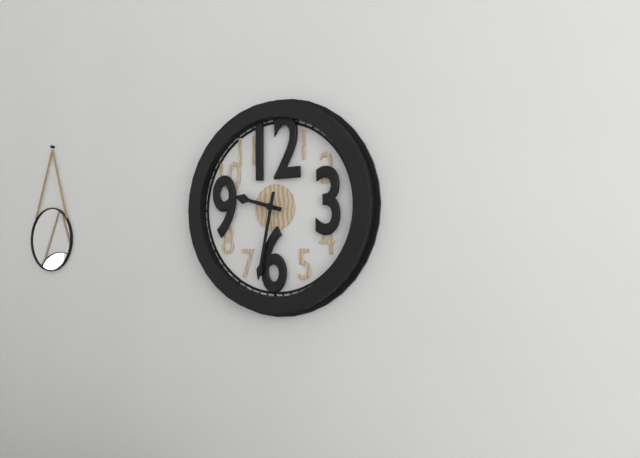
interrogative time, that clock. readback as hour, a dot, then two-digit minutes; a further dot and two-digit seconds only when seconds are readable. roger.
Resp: 9.32
